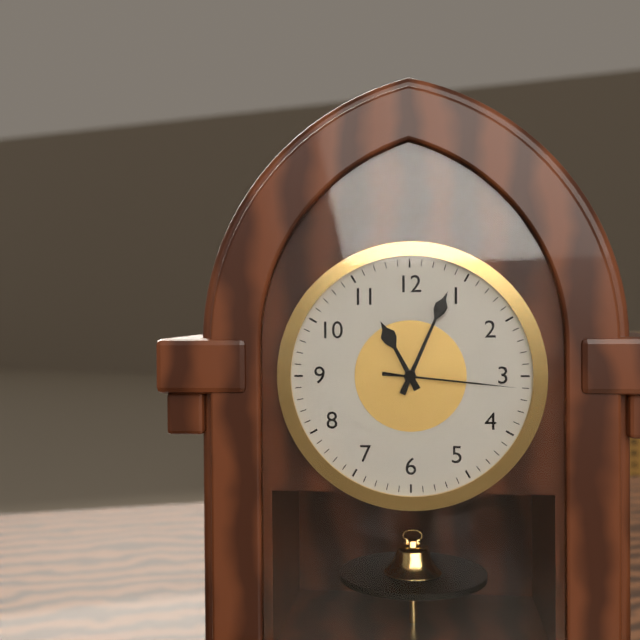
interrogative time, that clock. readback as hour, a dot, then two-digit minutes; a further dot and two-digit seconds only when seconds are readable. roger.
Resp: 11.04.16
